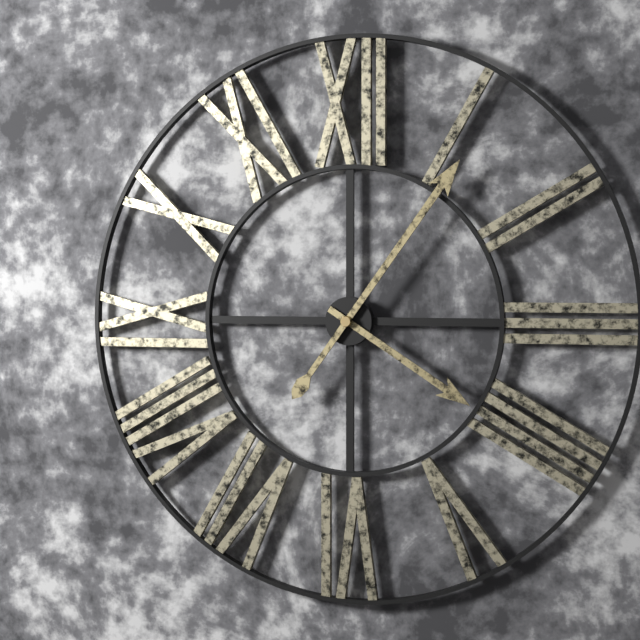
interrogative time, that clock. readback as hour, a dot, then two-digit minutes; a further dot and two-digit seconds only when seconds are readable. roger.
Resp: 4.06
